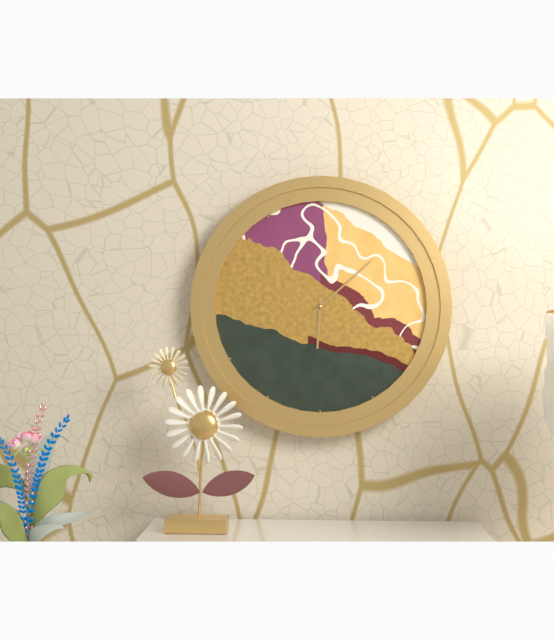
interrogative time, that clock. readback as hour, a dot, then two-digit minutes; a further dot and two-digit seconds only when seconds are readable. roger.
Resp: 6.08
